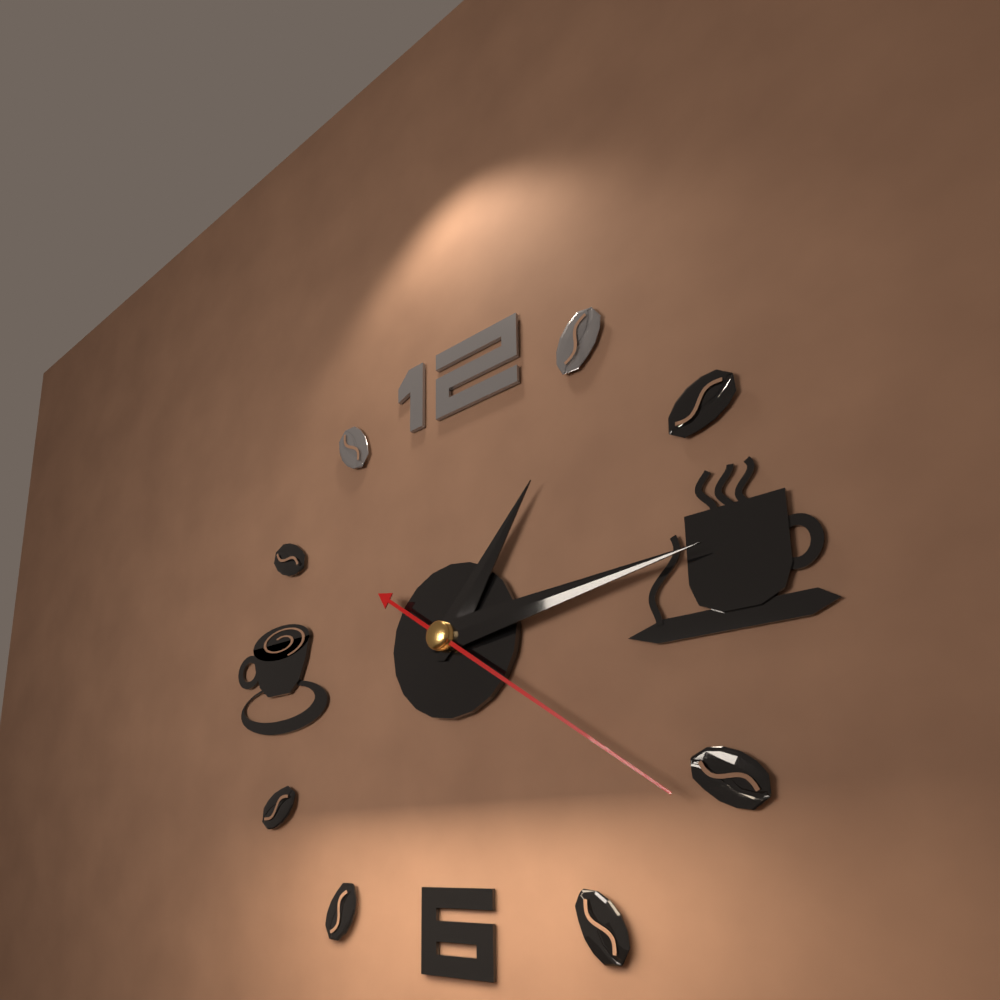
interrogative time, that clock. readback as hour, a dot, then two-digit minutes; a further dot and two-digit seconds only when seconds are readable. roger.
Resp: 1.14.21
